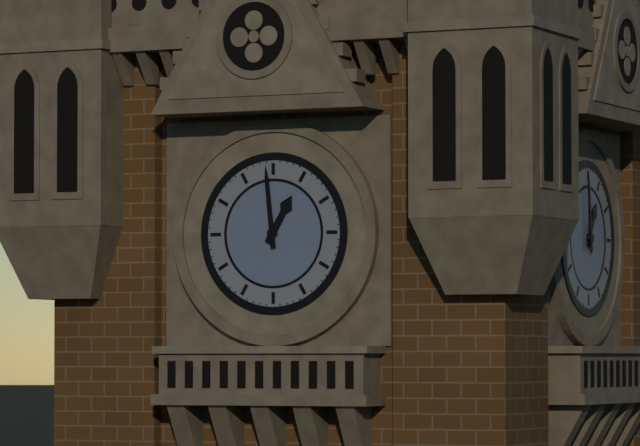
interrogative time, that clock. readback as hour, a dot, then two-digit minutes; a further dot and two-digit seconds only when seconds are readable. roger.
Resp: 12.59
